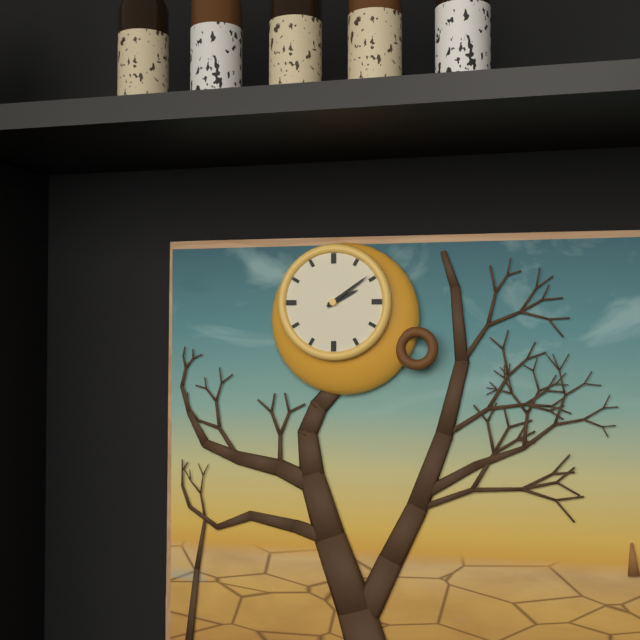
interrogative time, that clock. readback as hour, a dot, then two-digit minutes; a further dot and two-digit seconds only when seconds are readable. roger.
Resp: 2.09
